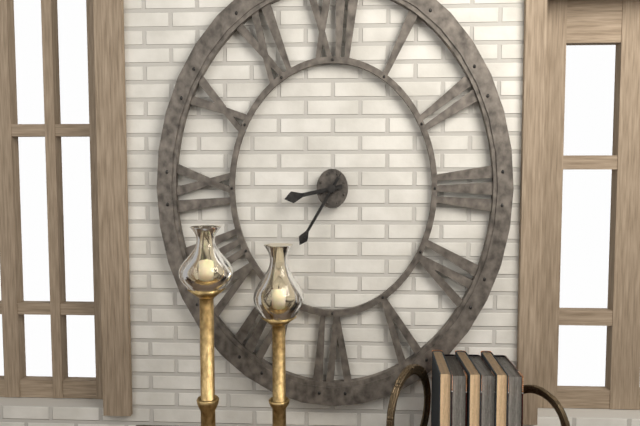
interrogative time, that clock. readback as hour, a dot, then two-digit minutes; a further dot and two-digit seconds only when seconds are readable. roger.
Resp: 8.35.35
